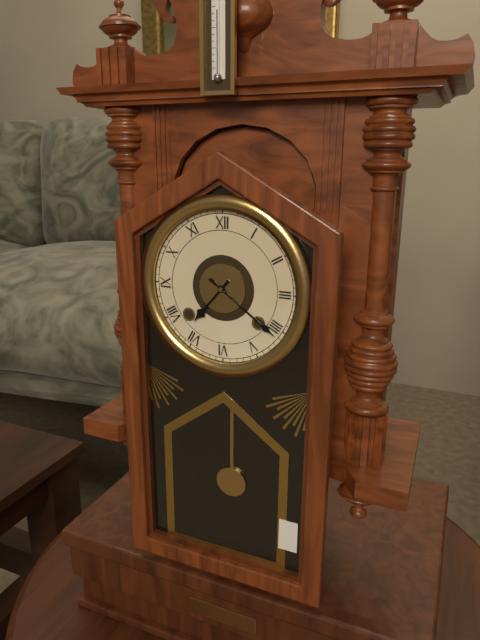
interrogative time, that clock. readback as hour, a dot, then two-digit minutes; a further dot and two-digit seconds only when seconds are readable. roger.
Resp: 7.21
